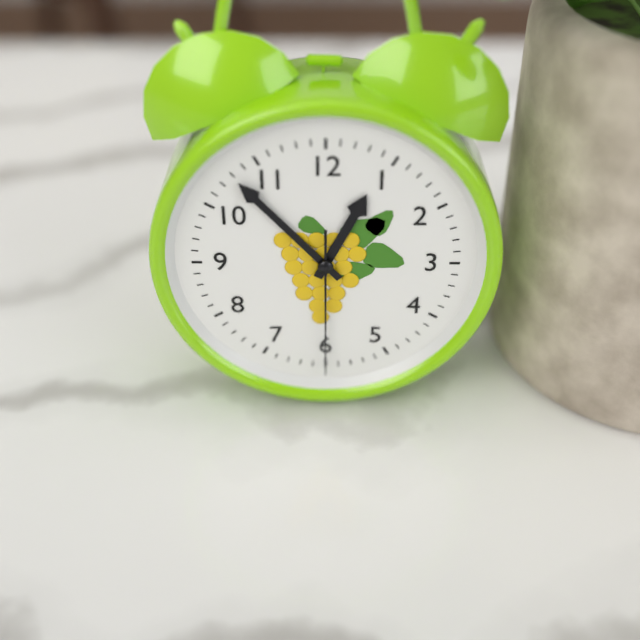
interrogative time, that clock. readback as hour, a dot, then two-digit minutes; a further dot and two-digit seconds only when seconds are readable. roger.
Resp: 12.53.30
